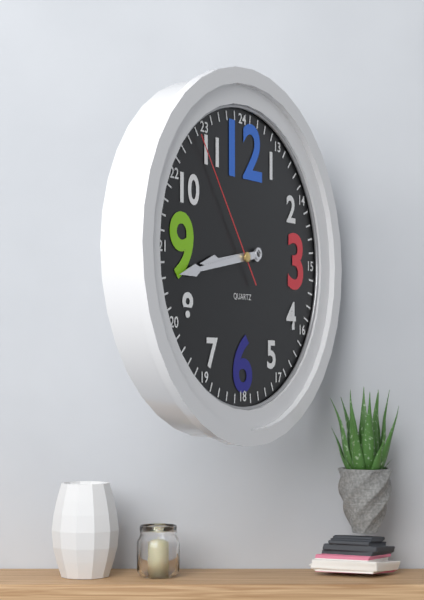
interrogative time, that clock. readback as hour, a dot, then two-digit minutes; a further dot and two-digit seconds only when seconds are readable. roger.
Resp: 8.43.54
